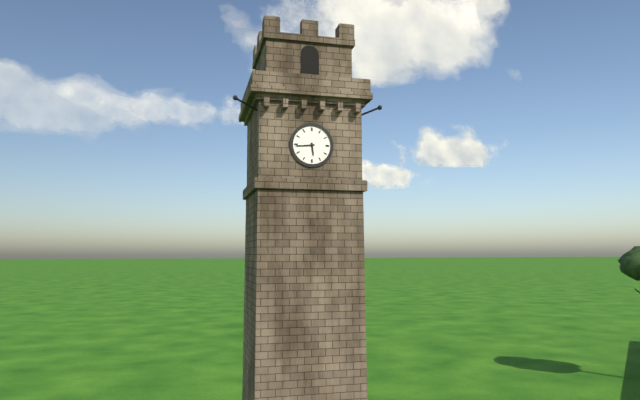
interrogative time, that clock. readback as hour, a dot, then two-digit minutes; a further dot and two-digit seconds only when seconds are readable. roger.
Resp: 5.44
